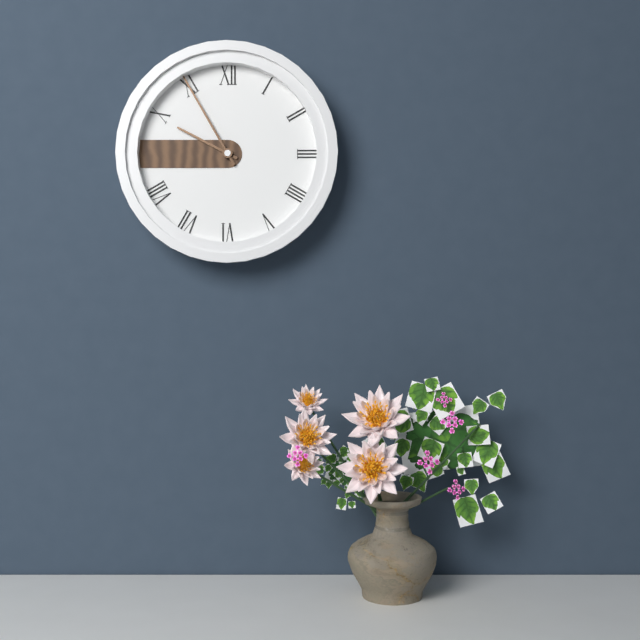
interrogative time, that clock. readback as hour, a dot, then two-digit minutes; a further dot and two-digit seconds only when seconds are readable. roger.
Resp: 9.55
